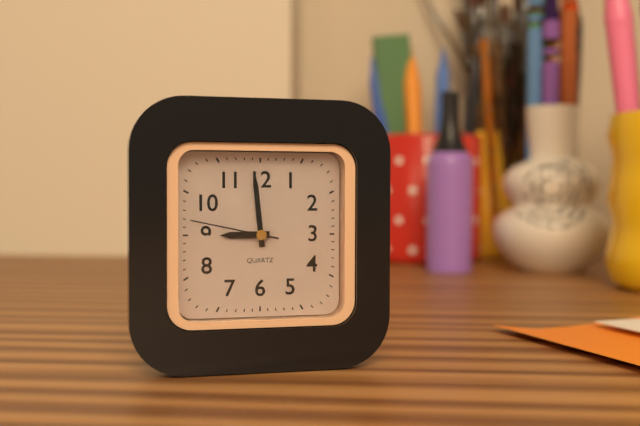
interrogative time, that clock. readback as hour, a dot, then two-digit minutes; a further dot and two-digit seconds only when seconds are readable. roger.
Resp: 8.59.47
